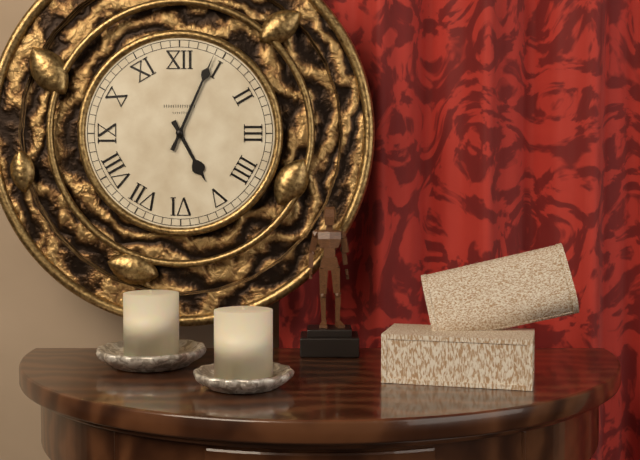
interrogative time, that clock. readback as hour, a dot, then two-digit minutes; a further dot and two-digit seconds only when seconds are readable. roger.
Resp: 5.04
